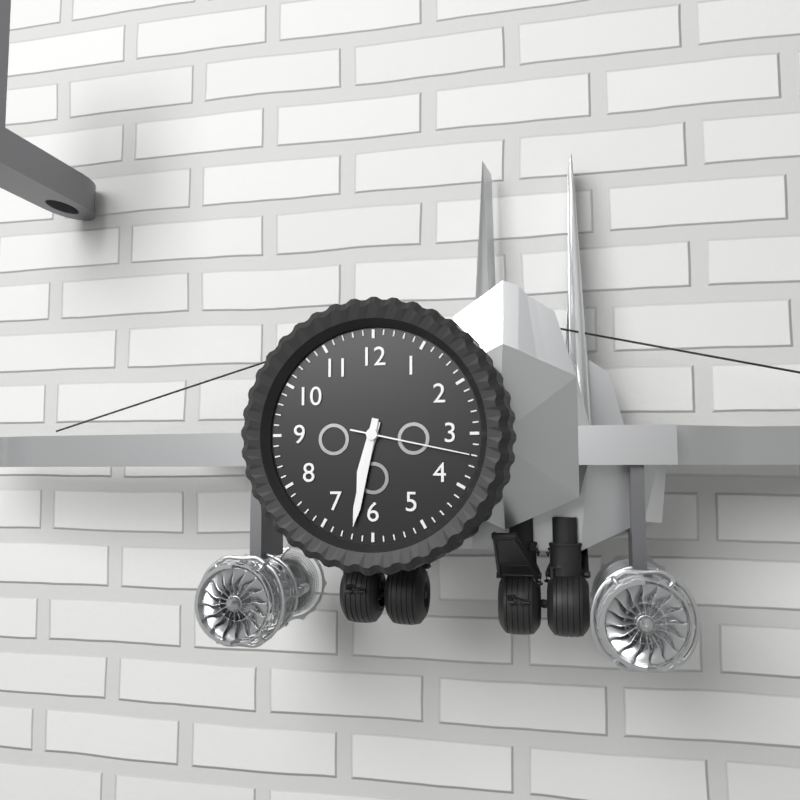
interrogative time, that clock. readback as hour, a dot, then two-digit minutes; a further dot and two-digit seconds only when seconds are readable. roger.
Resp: 6.32.17
